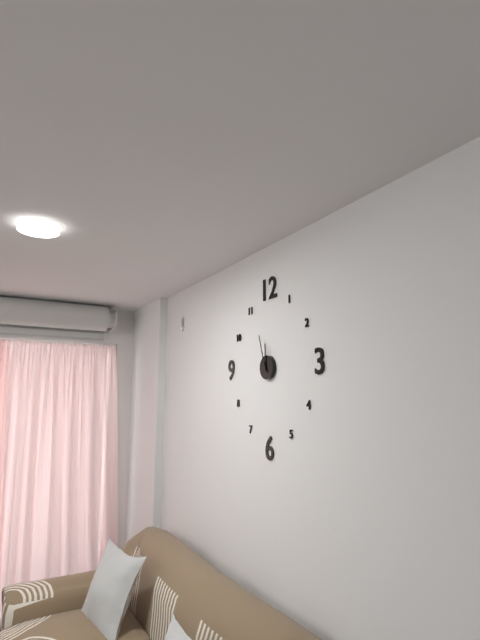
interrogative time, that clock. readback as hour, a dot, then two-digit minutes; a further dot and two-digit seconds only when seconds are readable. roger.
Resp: 11.57
